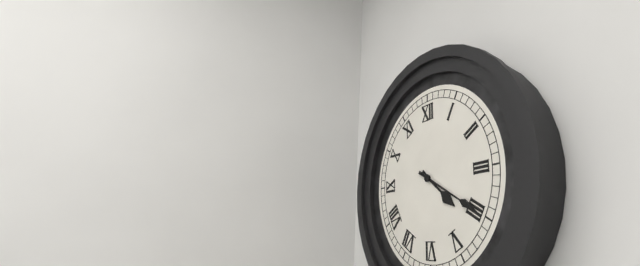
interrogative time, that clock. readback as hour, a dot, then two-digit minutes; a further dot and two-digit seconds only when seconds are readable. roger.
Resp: 4.20
